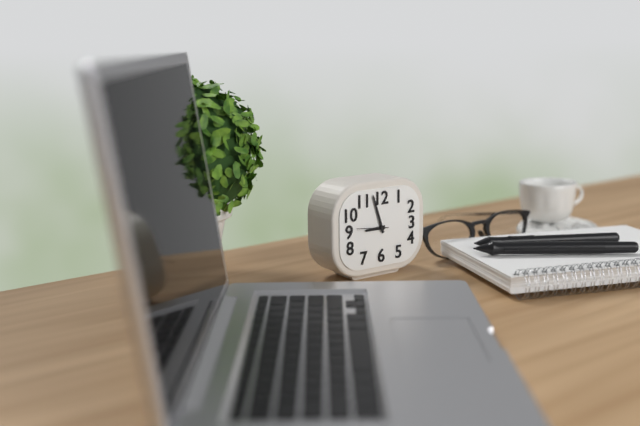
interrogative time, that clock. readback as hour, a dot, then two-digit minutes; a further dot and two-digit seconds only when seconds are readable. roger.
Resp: 8.57
